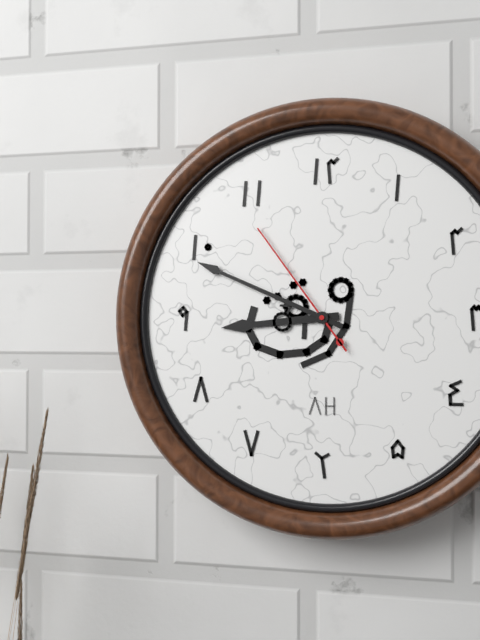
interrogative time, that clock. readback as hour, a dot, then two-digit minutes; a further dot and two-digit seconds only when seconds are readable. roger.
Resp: 8.49.54
